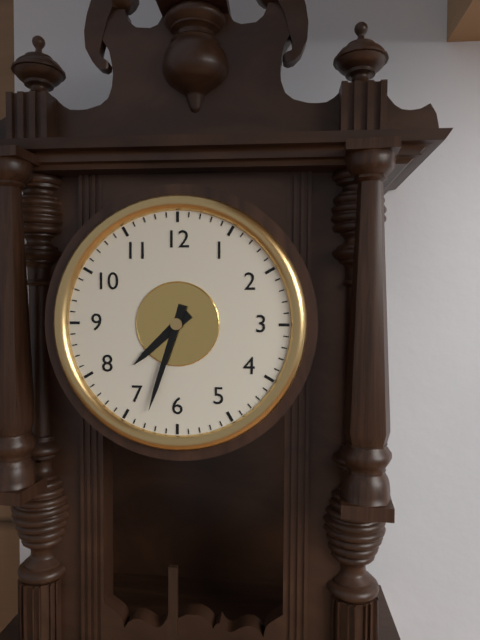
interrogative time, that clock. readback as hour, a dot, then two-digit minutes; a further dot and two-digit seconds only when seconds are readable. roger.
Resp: 7.33
